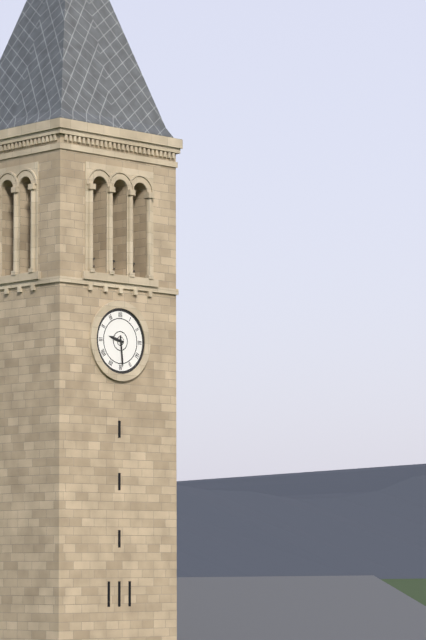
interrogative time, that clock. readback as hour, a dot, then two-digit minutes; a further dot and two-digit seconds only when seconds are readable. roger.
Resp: 9.29
